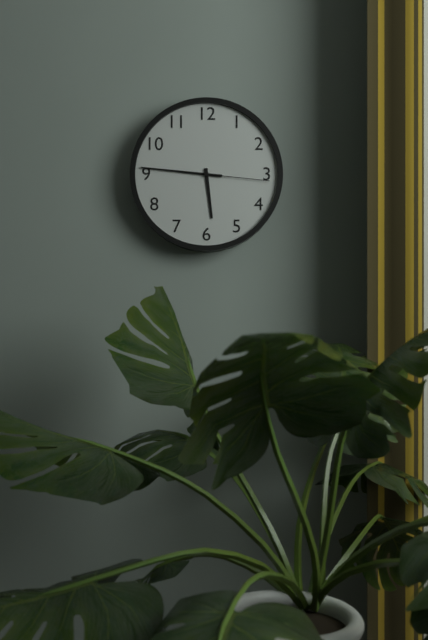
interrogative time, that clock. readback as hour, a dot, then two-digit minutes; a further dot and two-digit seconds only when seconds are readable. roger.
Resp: 5.46.16
